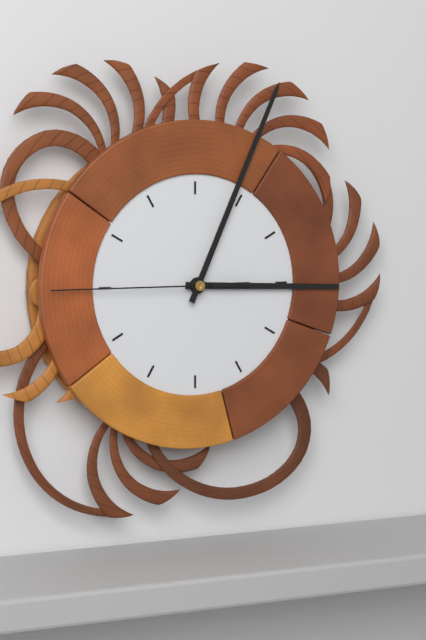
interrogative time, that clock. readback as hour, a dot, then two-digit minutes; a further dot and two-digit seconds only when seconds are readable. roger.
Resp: 3.04.45
